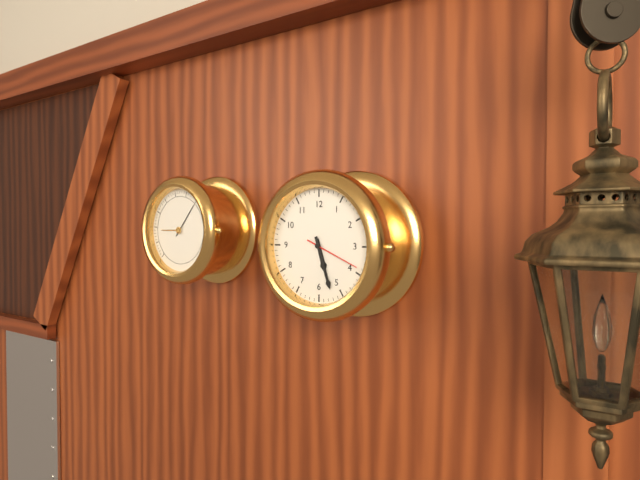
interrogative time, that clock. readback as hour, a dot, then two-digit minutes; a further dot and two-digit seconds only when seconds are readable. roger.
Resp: 5.27.19
